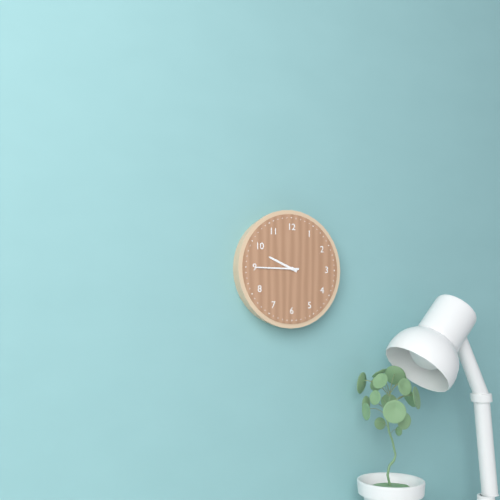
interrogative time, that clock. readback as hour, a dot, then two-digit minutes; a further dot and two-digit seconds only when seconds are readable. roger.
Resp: 9.45
